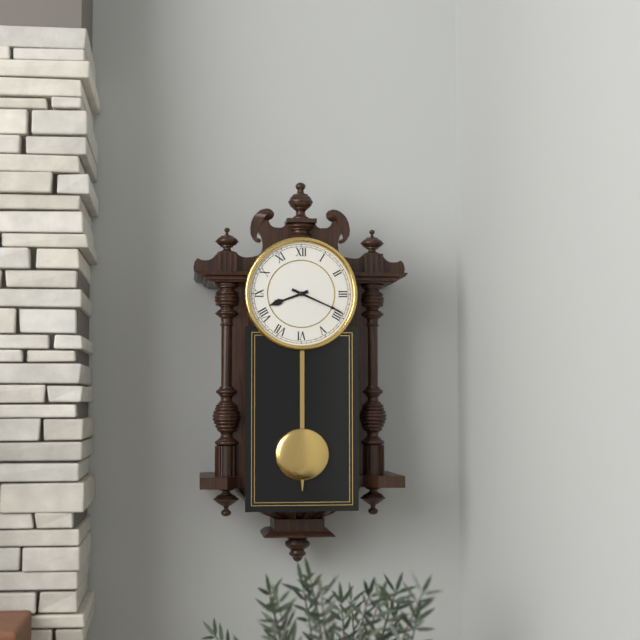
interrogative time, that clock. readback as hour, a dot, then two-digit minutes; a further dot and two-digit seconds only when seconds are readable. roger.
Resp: 8.19
